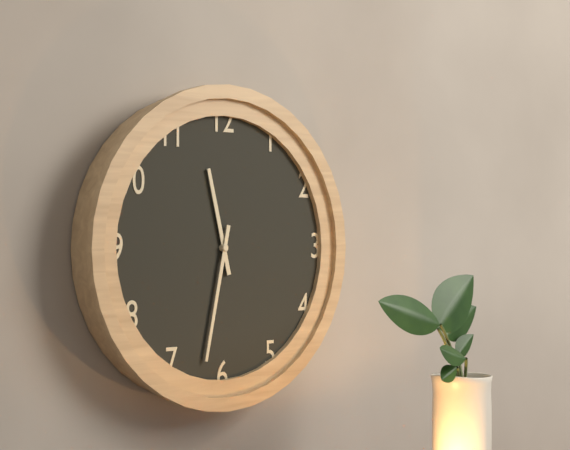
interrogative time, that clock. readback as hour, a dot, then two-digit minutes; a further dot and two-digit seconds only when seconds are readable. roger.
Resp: 11.32
